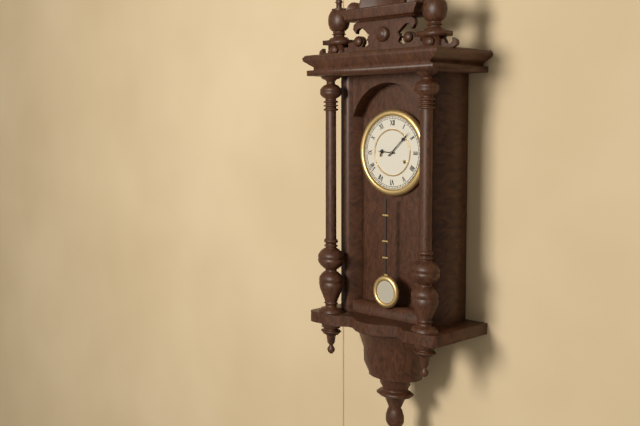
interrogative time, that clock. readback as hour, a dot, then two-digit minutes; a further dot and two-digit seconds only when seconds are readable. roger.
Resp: 9.08
